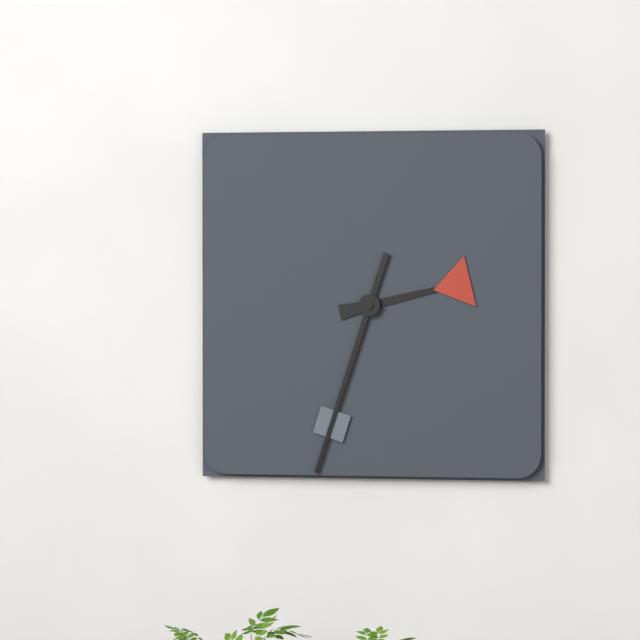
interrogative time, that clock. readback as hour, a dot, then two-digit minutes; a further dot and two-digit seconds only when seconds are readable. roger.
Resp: 2.33
